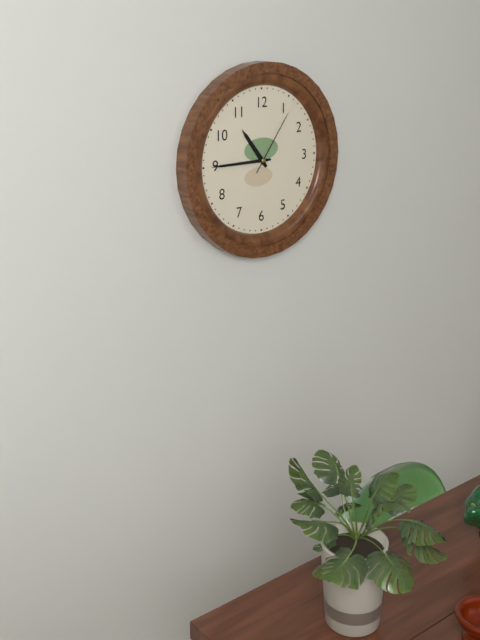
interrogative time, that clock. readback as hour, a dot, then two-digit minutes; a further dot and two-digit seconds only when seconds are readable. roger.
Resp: 10.45.06
